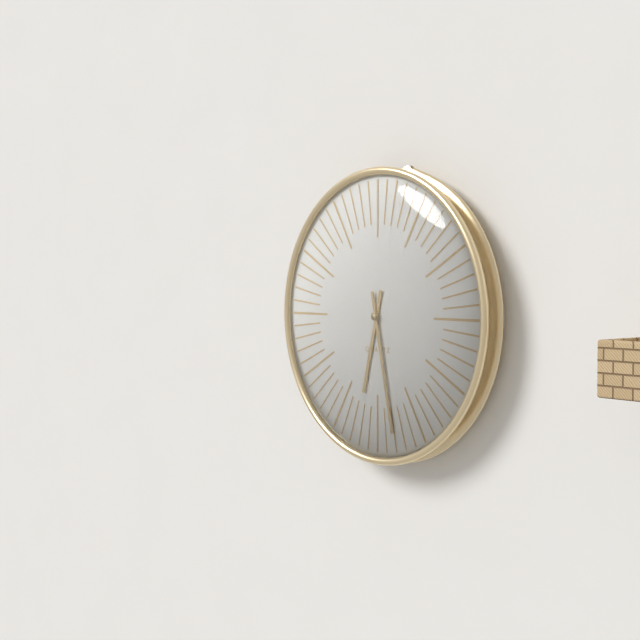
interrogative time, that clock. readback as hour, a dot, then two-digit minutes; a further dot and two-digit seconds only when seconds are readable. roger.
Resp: 6.28
